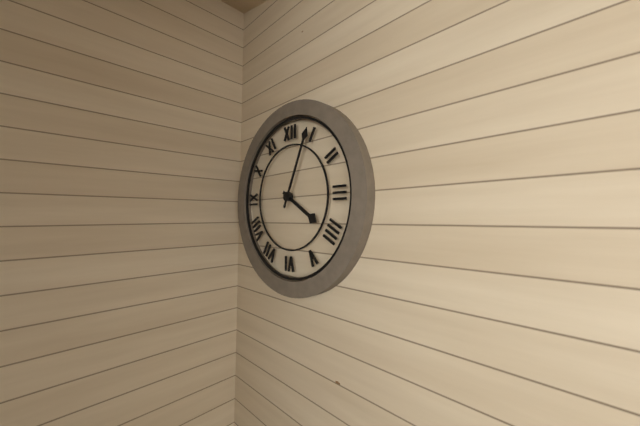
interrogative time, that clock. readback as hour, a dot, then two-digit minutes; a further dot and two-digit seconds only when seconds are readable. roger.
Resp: 4.04
